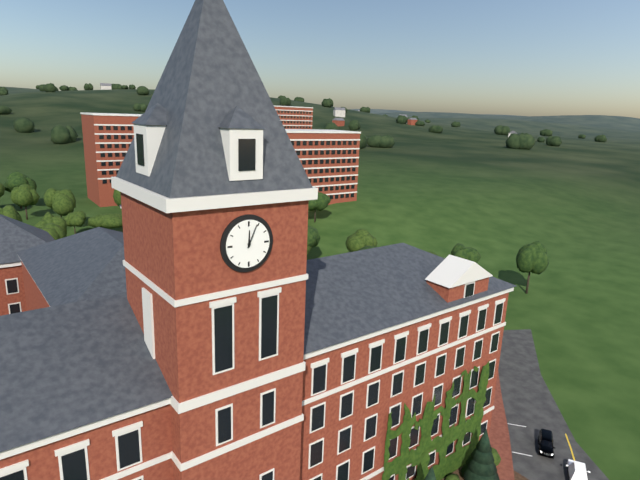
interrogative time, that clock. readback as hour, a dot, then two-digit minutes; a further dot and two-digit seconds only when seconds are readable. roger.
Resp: 12.04
